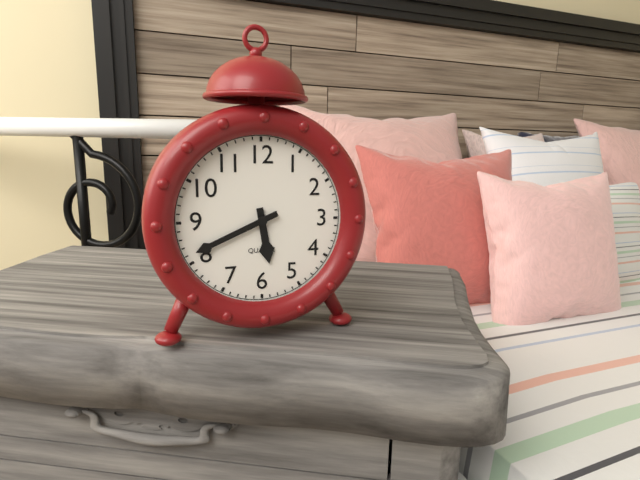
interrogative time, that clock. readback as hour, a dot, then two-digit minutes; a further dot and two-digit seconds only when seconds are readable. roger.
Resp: 5.41
